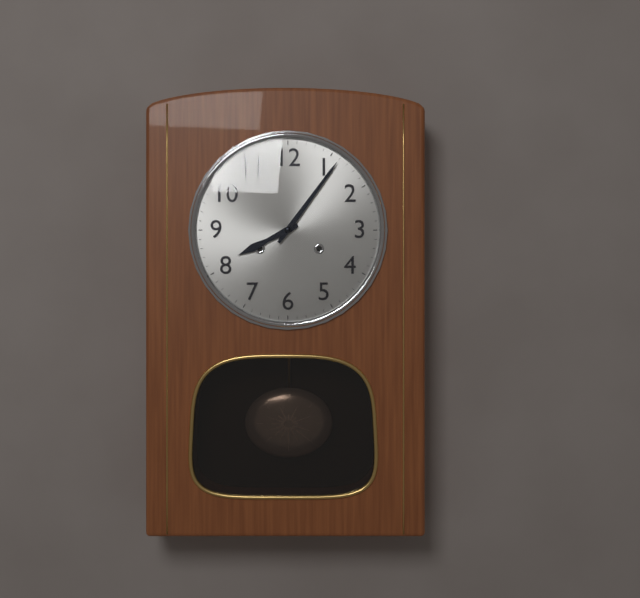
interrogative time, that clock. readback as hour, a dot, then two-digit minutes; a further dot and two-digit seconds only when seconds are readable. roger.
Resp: 8.06
